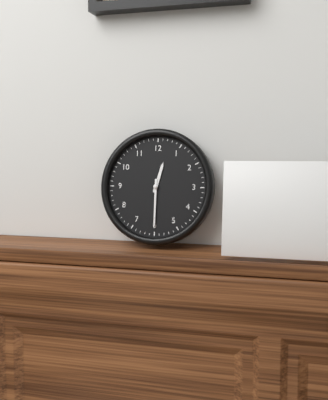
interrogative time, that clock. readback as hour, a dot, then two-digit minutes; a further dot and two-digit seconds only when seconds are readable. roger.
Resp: 12.30
